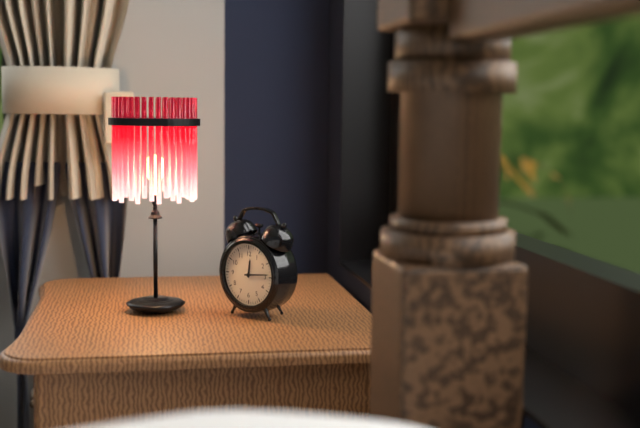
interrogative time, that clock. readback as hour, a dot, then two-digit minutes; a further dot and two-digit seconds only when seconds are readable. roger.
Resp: 12.14
